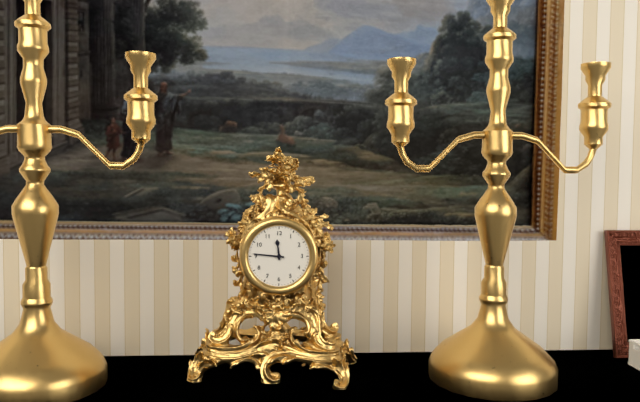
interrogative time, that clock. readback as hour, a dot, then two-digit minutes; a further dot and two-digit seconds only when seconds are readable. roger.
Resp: 11.46
